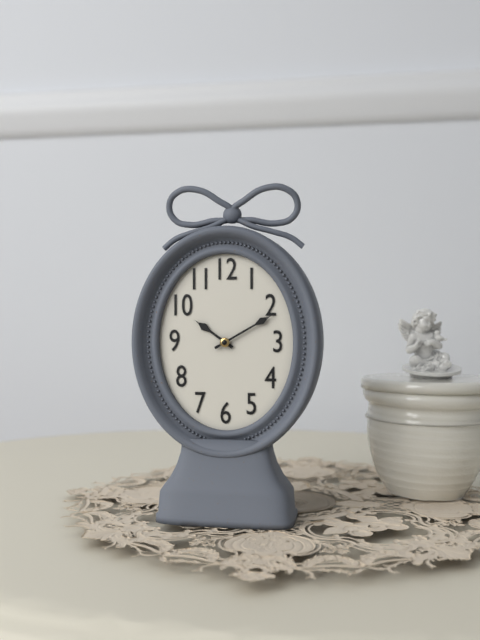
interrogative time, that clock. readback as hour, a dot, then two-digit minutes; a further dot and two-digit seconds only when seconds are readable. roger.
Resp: 10.10
